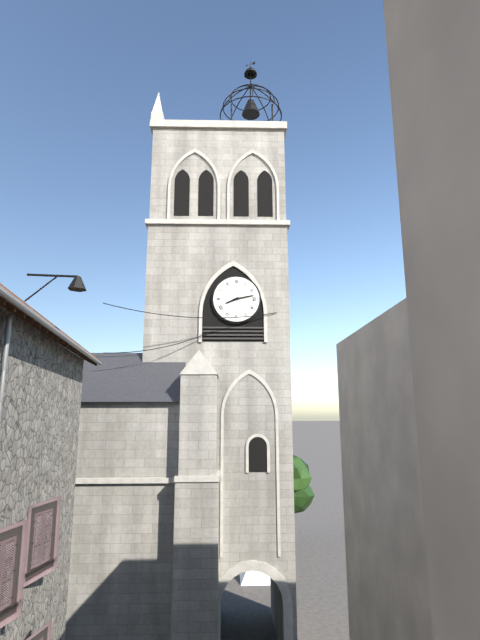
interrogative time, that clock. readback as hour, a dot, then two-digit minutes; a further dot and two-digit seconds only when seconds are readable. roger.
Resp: 8.13
